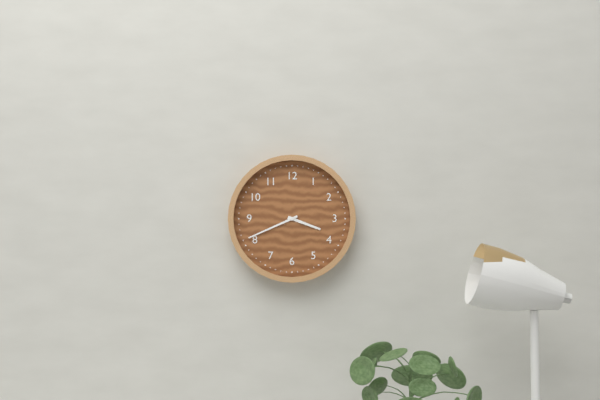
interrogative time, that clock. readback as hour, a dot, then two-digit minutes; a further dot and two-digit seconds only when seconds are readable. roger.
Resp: 3.41
